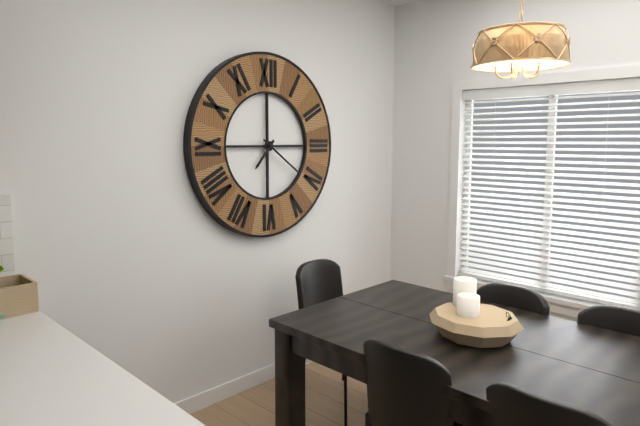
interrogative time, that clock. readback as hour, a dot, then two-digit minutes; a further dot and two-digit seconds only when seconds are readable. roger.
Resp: 7.21
